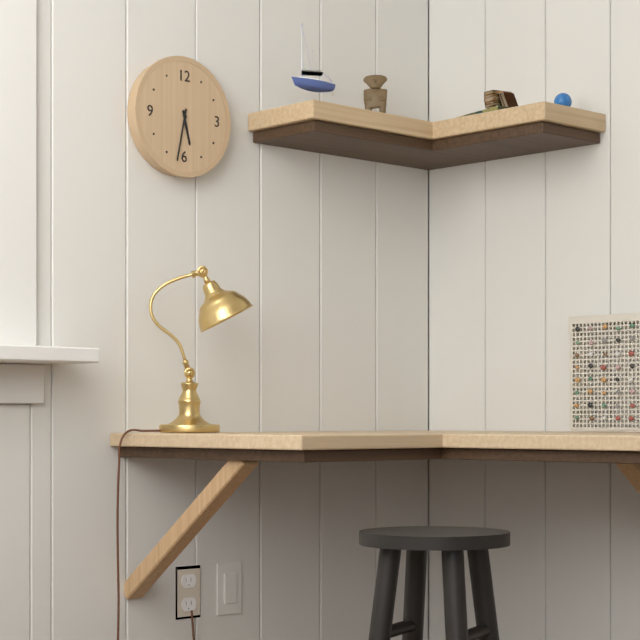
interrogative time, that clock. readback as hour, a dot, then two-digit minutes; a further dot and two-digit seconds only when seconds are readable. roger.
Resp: 5.32
